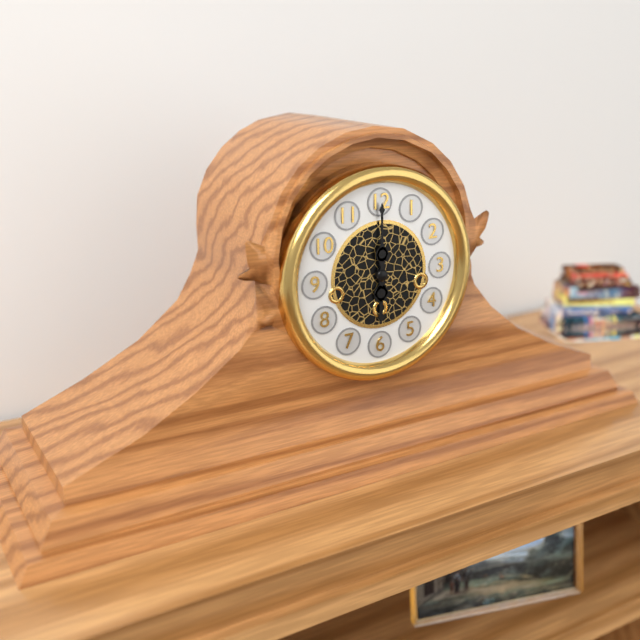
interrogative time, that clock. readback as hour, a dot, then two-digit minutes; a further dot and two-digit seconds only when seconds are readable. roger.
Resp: 6.00
